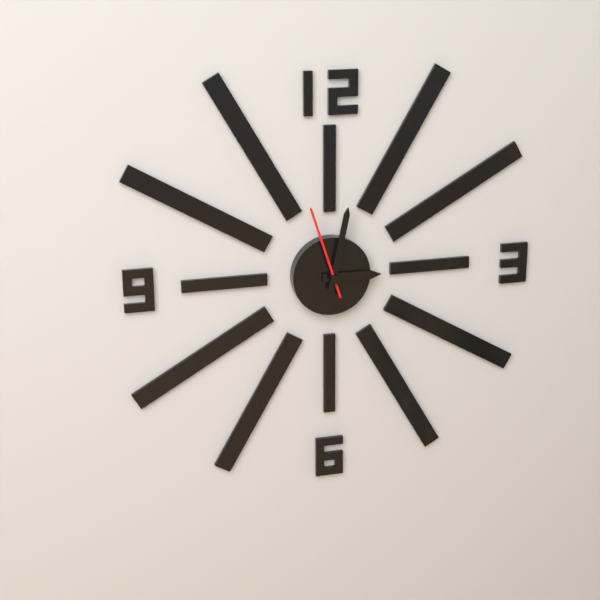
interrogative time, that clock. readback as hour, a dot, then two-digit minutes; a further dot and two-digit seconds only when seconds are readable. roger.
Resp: 3.02.57
